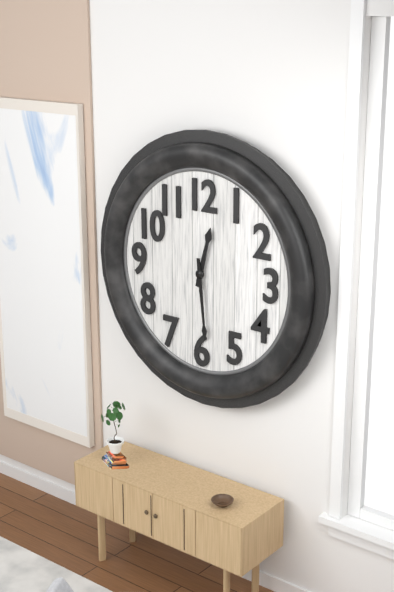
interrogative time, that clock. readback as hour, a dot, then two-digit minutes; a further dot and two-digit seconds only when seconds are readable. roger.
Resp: 12.29
